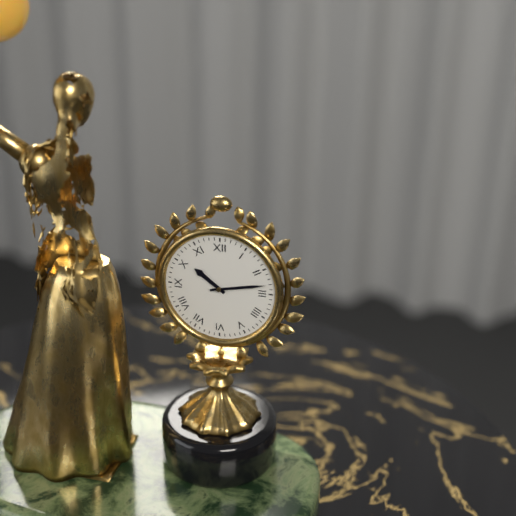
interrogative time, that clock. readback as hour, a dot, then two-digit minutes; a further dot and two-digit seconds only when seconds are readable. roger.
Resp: 10.13
